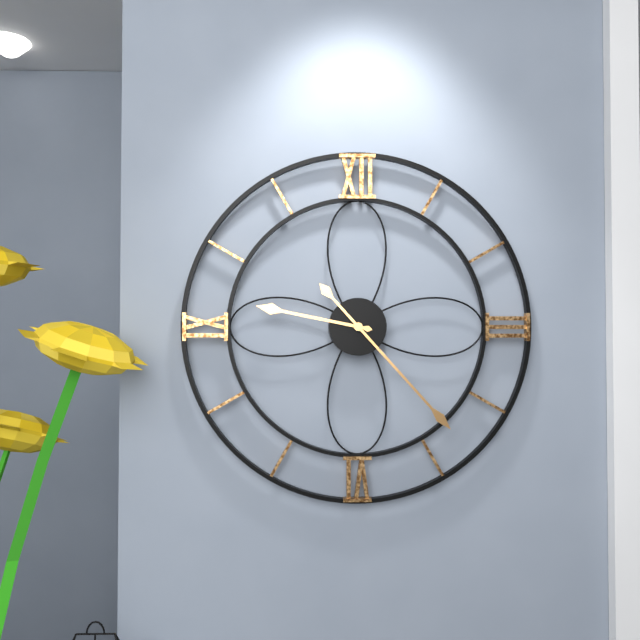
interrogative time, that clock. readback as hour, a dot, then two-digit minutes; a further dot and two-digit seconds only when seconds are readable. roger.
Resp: 9.23
